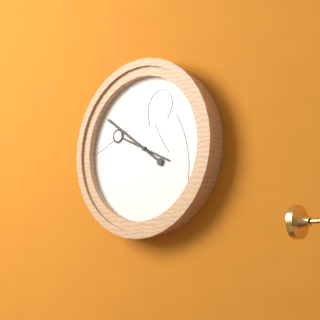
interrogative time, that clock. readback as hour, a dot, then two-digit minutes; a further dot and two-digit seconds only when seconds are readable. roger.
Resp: 3.51
